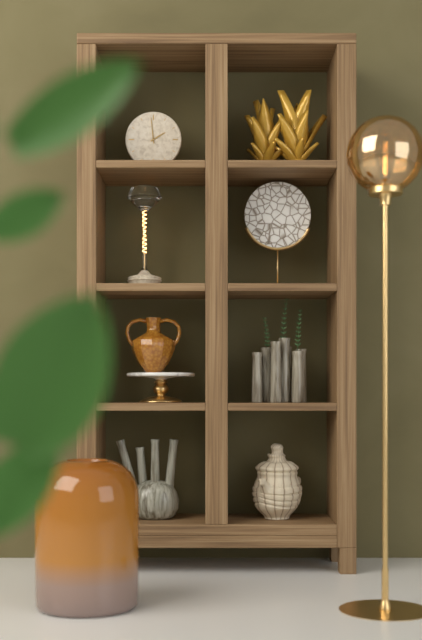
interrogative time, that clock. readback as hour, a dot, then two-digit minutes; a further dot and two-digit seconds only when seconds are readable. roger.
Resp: 1.59
